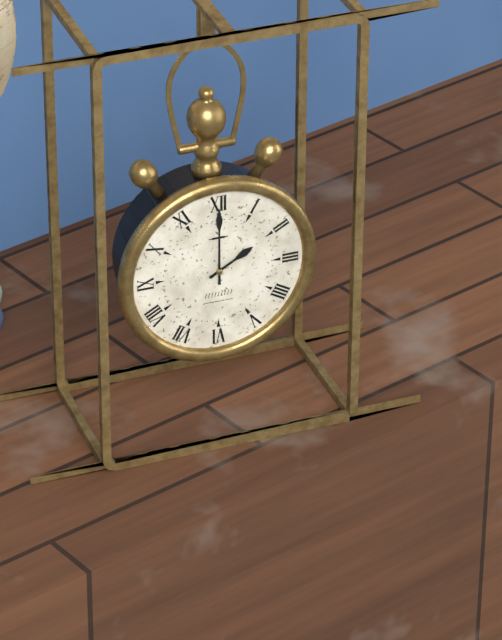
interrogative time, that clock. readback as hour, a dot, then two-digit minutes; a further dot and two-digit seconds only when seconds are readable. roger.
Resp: 2.00
